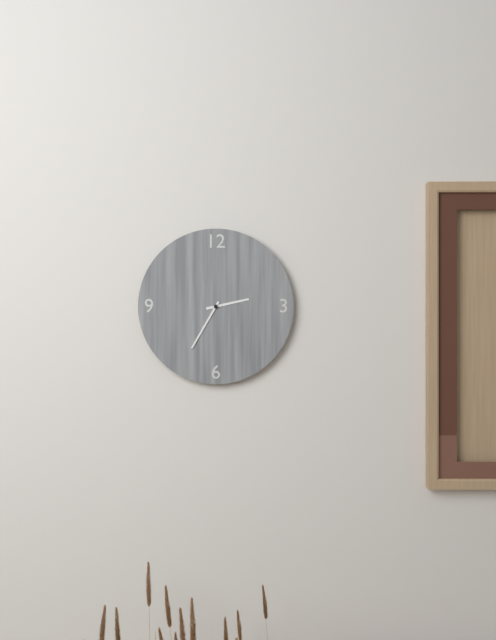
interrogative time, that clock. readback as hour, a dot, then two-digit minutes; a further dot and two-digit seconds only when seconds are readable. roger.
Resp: 2.35
